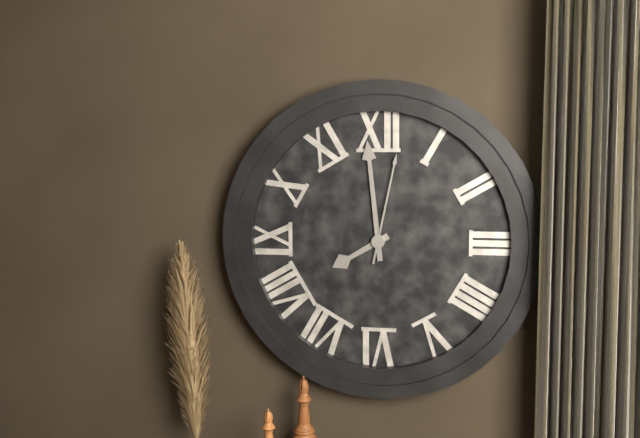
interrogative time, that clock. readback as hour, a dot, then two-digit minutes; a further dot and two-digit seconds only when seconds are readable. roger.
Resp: 7.59.02
